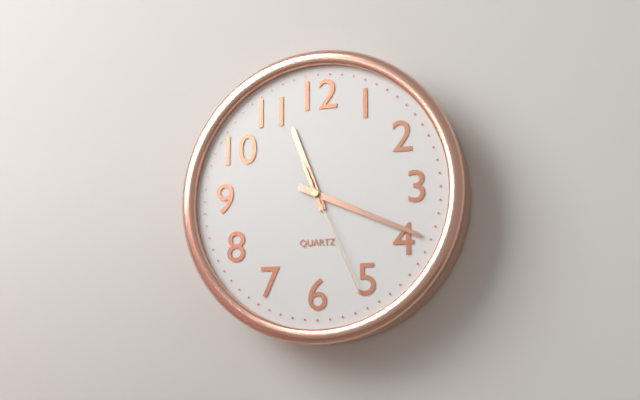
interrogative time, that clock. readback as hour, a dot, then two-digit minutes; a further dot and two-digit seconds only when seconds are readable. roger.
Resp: 11.19.26
